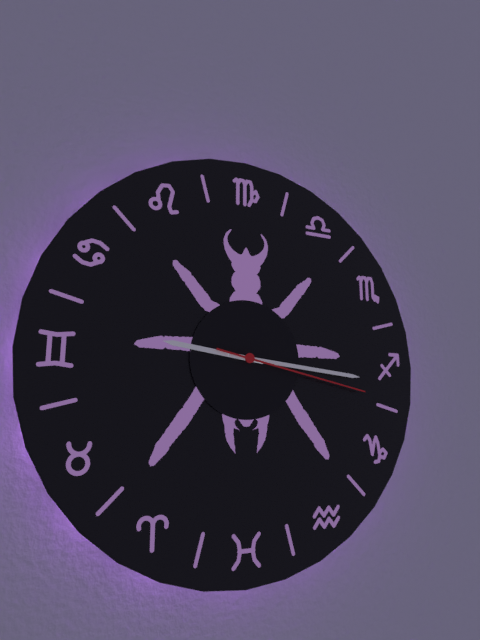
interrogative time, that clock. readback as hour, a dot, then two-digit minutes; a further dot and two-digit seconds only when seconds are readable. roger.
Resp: 9.16.17
